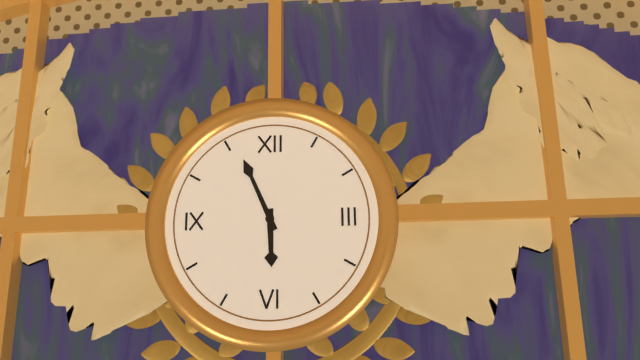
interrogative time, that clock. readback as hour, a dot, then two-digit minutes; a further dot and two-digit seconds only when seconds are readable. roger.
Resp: 5.56
